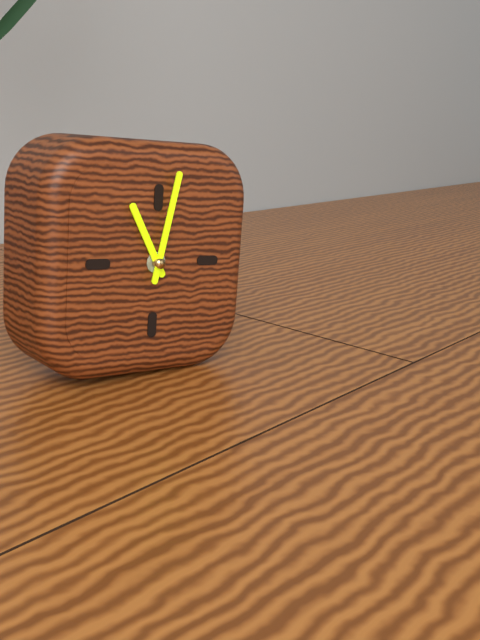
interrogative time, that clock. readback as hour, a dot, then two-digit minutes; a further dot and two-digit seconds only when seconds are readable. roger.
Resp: 11.02
